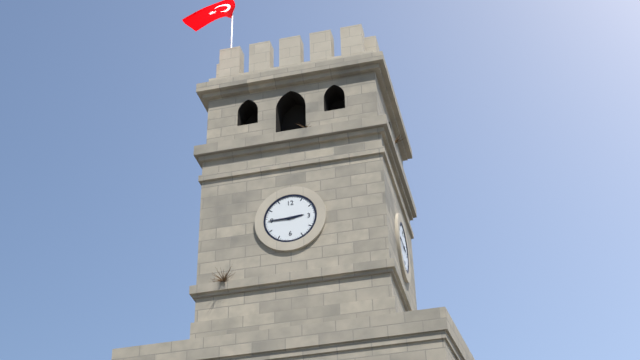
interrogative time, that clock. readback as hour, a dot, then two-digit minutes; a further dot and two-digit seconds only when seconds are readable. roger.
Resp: 2.45
